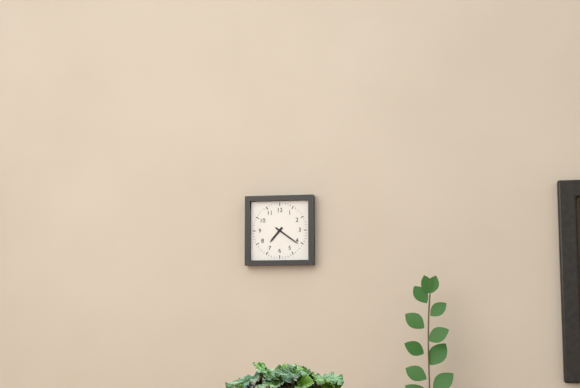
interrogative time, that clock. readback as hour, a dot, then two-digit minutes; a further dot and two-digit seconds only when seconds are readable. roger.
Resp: 7.21
